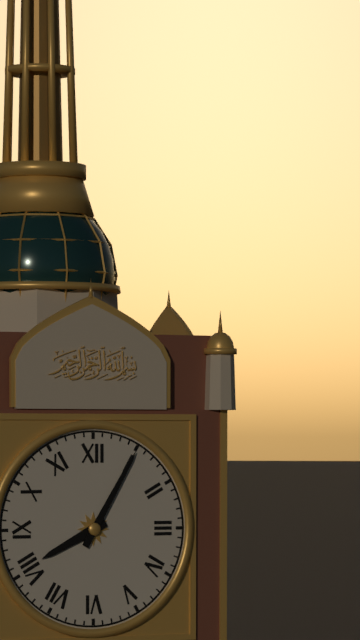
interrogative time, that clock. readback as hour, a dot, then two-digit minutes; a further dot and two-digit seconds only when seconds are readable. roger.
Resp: 8.05
